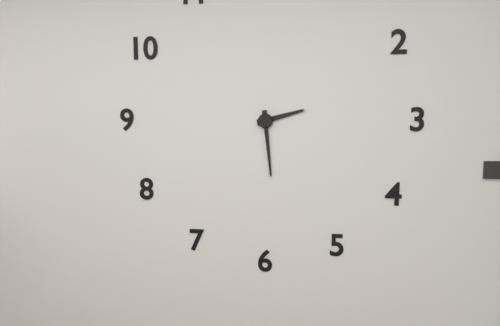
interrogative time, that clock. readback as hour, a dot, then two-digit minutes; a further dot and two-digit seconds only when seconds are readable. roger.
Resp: 2.29
